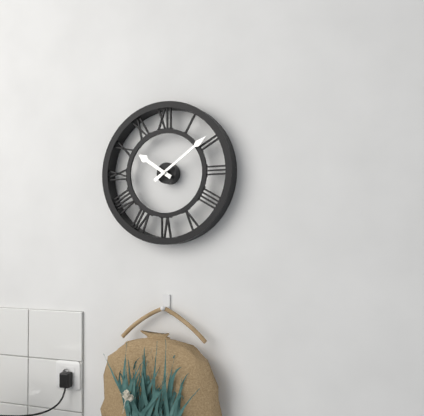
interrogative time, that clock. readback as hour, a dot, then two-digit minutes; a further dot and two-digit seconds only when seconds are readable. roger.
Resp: 10.09
